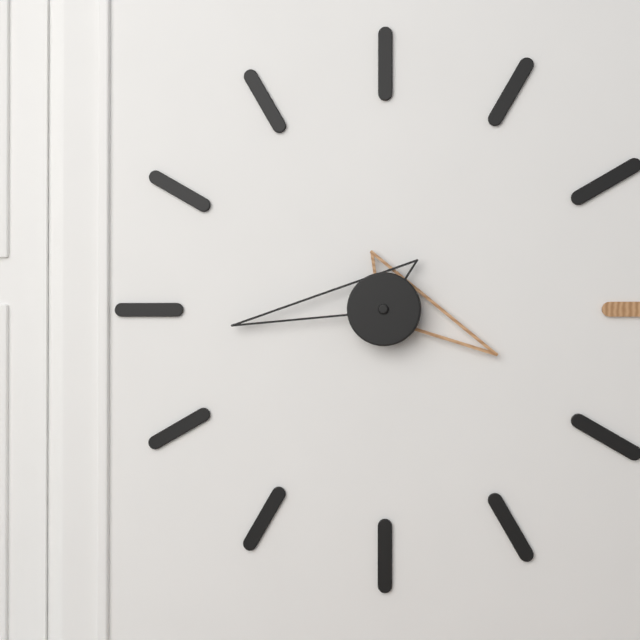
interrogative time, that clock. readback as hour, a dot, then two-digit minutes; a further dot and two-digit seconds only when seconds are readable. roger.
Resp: 3.44
